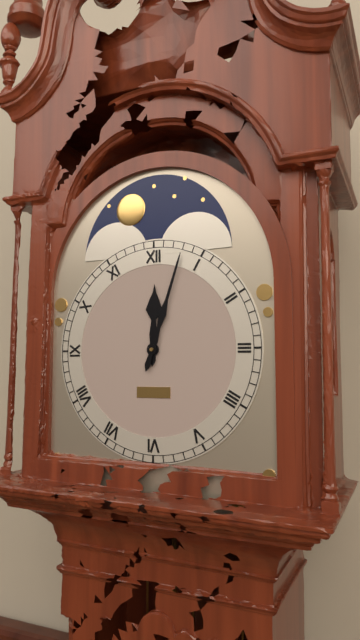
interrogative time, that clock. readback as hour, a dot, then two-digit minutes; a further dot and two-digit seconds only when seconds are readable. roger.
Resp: 12.03
